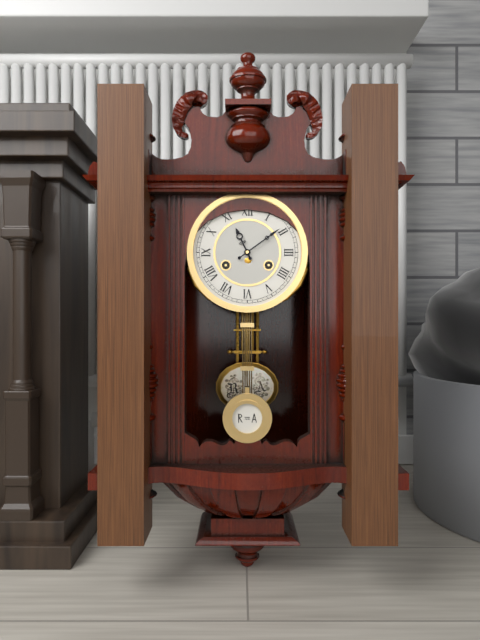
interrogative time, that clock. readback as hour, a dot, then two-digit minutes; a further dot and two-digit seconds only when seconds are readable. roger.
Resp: 11.09
